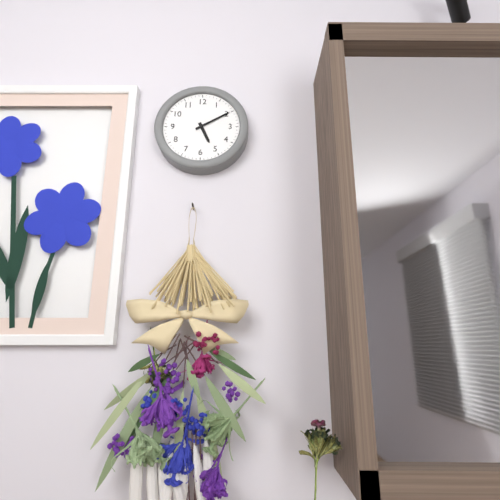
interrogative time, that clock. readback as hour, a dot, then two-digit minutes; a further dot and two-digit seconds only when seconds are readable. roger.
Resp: 5.10
